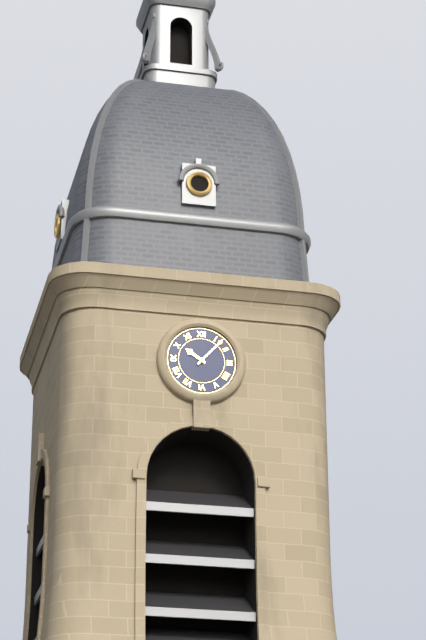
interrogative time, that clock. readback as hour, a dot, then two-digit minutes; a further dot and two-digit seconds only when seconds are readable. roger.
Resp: 10.07
